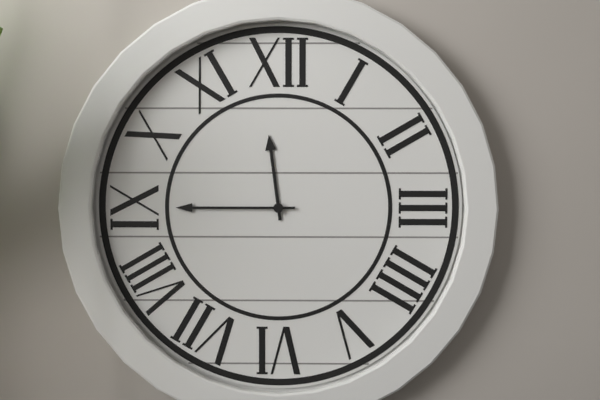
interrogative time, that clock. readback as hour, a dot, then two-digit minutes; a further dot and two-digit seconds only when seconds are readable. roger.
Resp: 11.45
